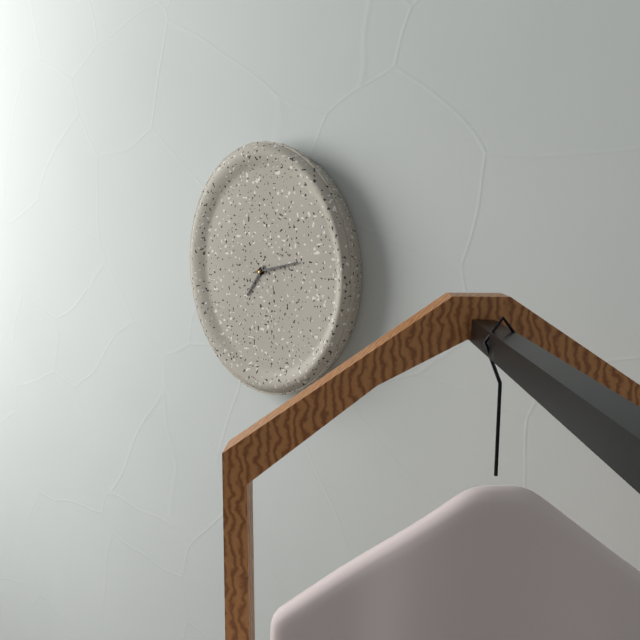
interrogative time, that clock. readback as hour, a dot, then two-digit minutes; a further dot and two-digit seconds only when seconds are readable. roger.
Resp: 7.13
